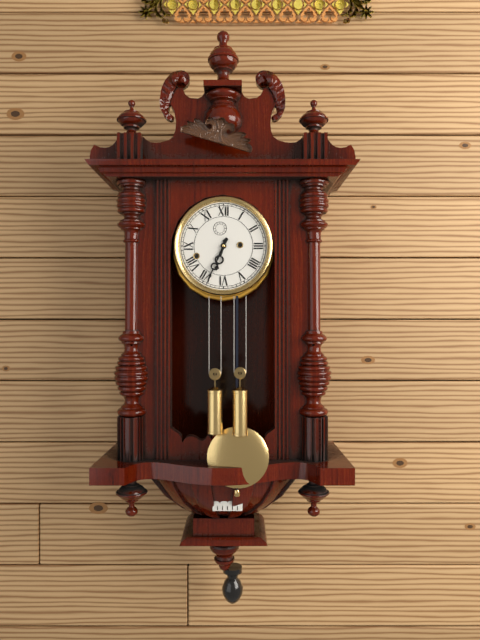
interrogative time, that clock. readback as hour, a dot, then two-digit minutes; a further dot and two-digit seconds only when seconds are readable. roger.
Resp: 6.34
